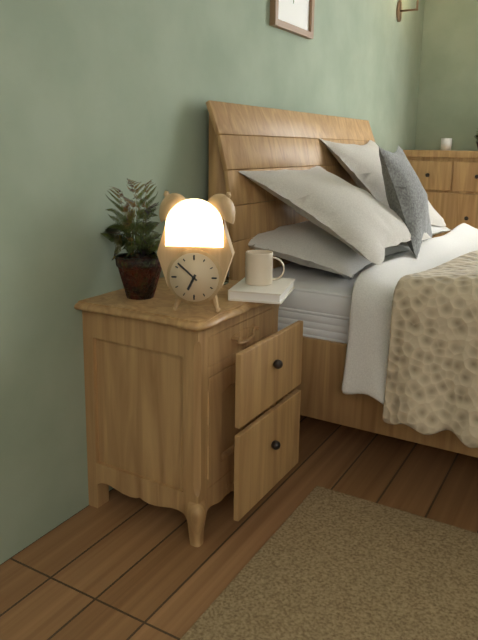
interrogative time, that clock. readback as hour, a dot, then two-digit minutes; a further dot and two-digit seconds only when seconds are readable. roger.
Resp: 6.52
